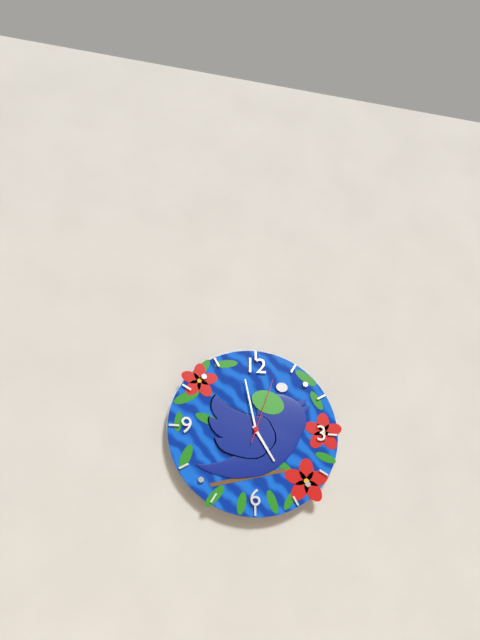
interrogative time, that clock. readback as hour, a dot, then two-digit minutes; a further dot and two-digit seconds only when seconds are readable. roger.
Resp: 4.58.03
